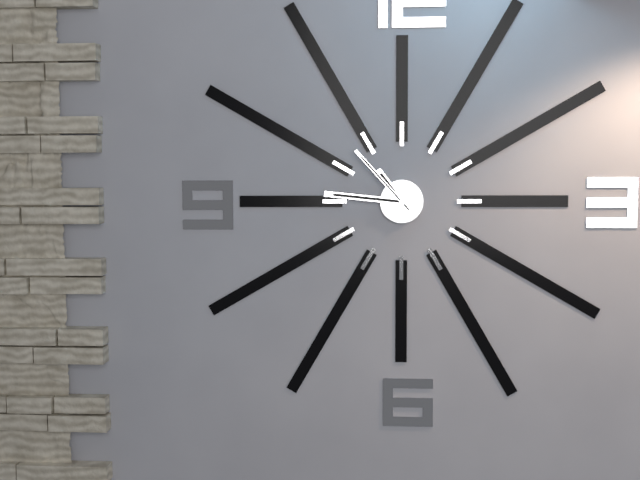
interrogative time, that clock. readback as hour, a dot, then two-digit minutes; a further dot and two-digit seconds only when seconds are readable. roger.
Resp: 10.46.53
